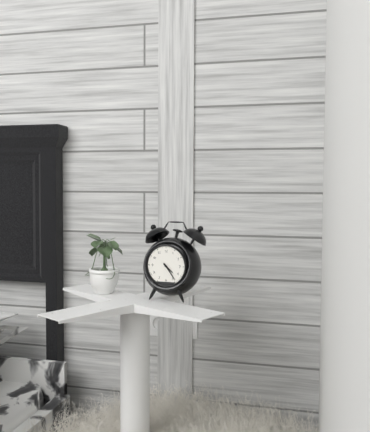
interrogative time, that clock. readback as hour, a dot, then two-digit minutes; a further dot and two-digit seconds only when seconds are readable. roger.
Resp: 4.24
